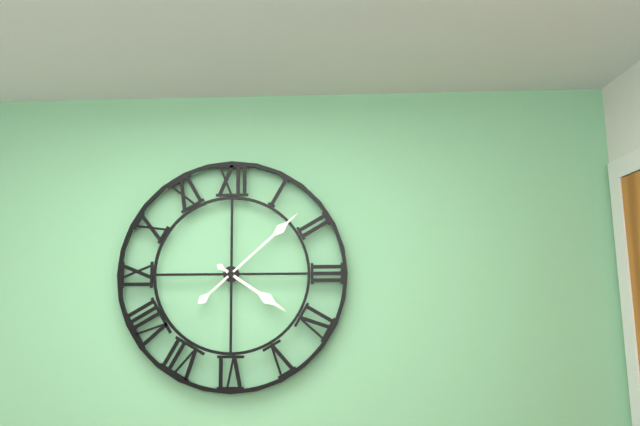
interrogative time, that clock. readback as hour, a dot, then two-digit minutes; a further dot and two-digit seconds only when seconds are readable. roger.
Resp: 4.08
